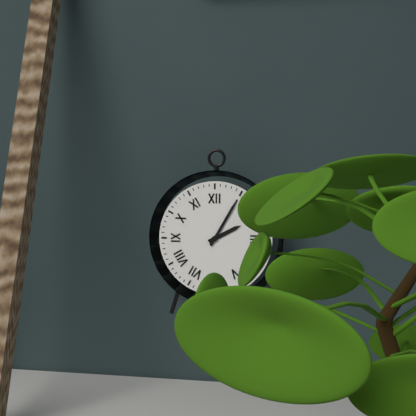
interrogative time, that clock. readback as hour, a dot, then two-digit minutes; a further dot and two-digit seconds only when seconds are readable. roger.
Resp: 2.05
